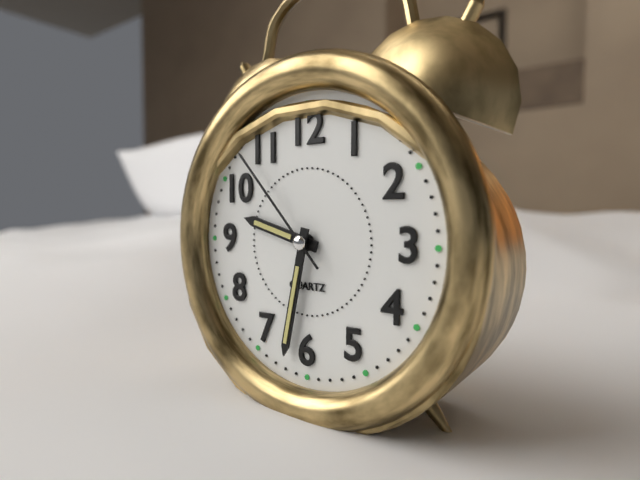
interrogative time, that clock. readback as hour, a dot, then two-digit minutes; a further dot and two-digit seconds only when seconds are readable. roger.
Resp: 9.32.53
